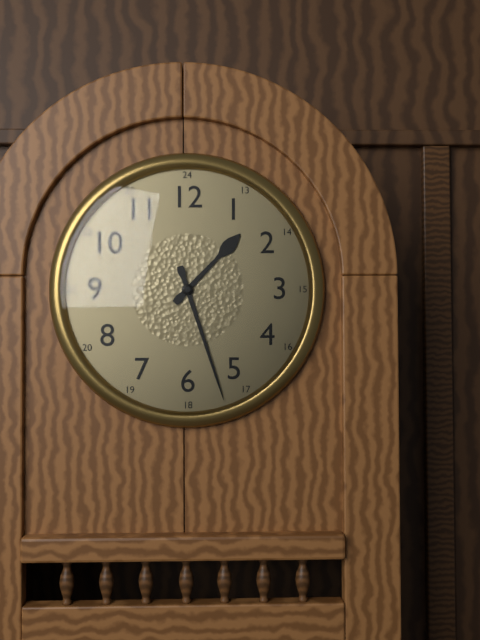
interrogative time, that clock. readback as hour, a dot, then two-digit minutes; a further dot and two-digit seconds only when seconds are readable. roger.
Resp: 1.27
